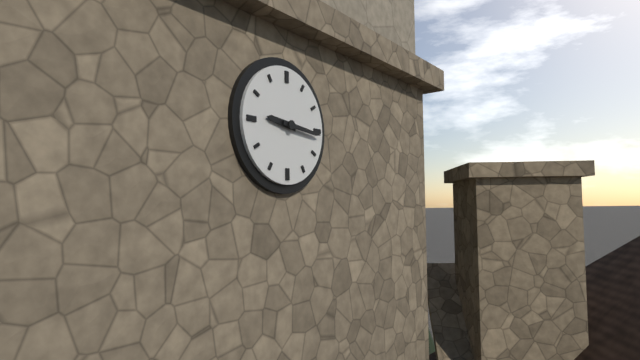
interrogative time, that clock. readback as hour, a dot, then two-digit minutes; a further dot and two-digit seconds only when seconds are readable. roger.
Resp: 9.16
